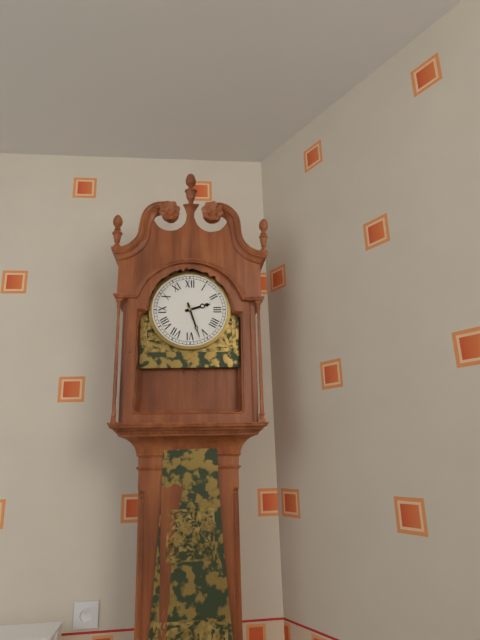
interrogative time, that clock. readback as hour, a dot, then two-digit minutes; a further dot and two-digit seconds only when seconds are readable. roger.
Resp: 2.27
